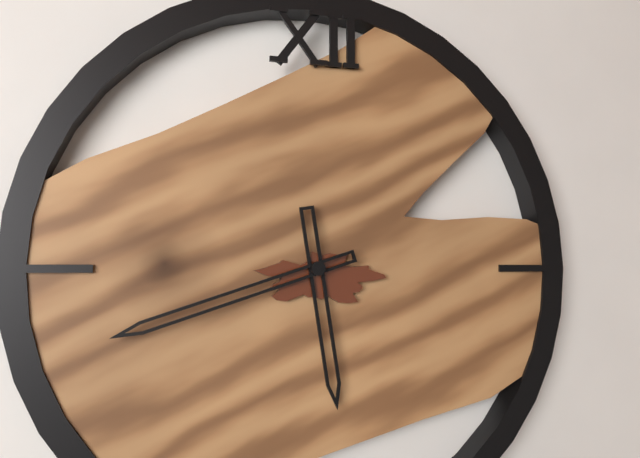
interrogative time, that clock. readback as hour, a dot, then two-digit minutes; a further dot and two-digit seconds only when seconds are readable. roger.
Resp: 5.42
